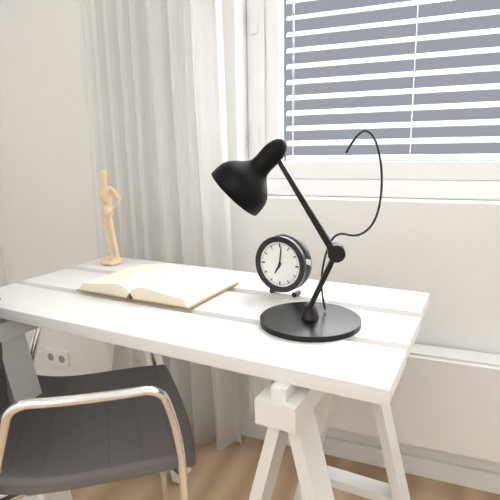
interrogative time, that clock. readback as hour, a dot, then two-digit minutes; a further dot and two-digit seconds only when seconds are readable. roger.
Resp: 7.01
